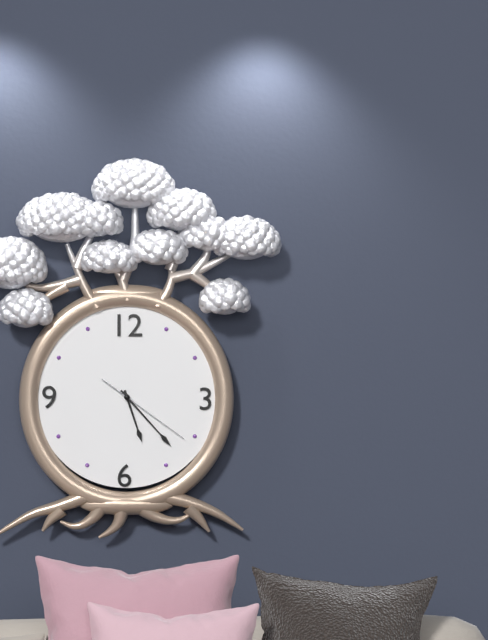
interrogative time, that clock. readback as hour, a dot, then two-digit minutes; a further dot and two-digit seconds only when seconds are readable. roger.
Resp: 5.23.21
